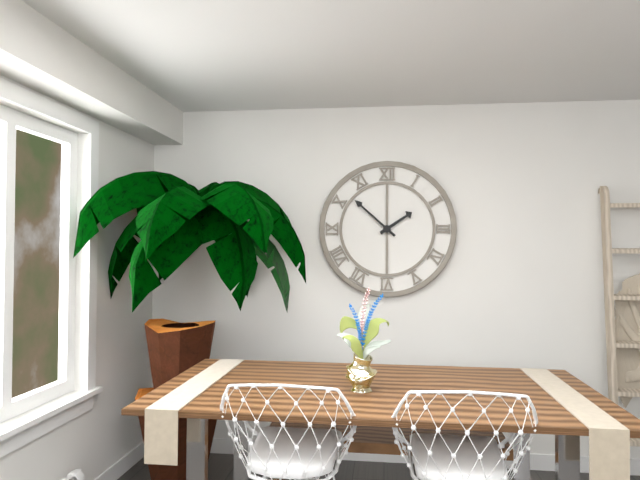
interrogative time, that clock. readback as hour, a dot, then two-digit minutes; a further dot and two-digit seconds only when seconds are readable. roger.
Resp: 1.52
